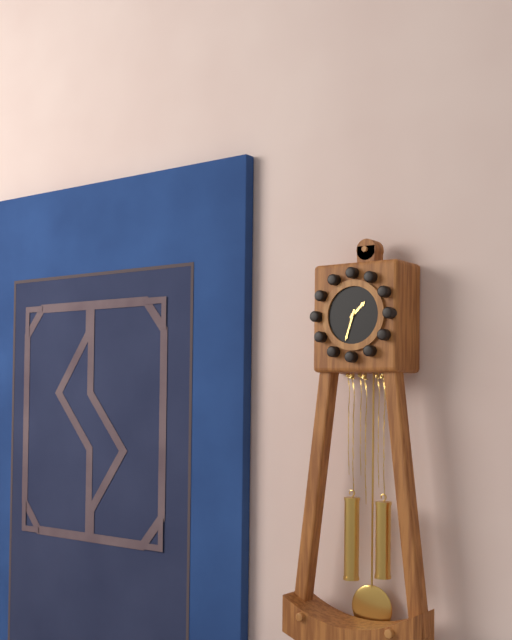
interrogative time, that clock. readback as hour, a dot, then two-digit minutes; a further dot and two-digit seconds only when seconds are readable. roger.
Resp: 1.33
